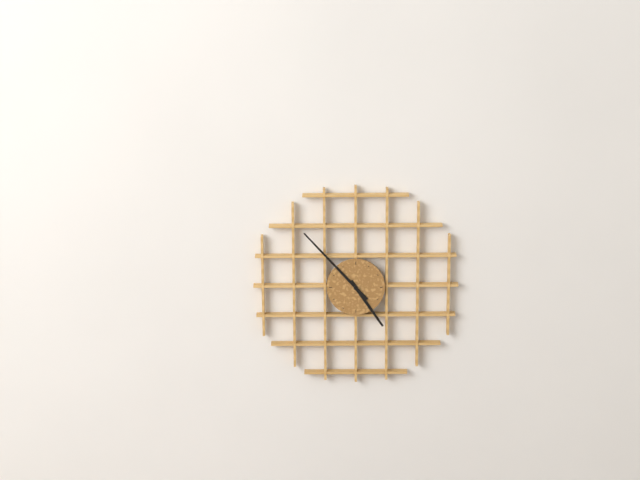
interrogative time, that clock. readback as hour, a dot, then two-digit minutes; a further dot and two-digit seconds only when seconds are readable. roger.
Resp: 4.53
